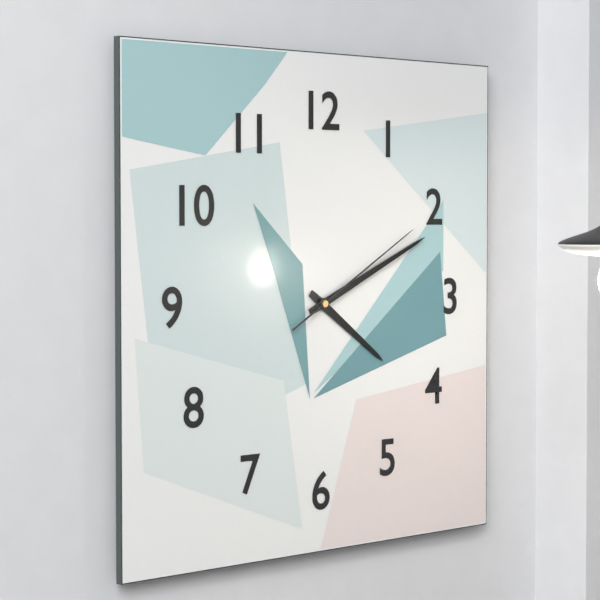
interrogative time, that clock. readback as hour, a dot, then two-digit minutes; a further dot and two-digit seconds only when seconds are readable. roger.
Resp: 4.11.10
